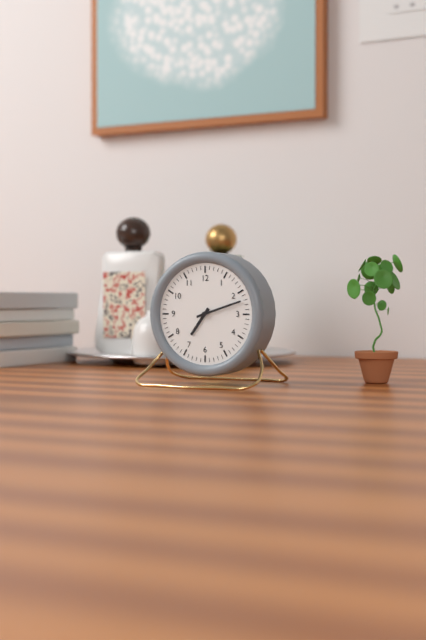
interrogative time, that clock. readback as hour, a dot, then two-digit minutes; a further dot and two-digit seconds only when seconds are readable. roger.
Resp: 7.12
